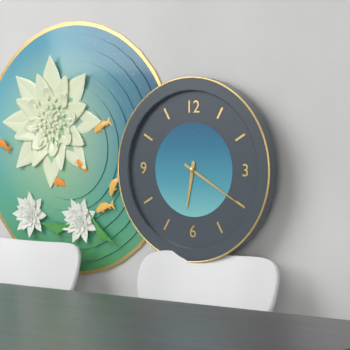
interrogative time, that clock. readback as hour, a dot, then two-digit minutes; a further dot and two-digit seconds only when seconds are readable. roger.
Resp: 6.20
